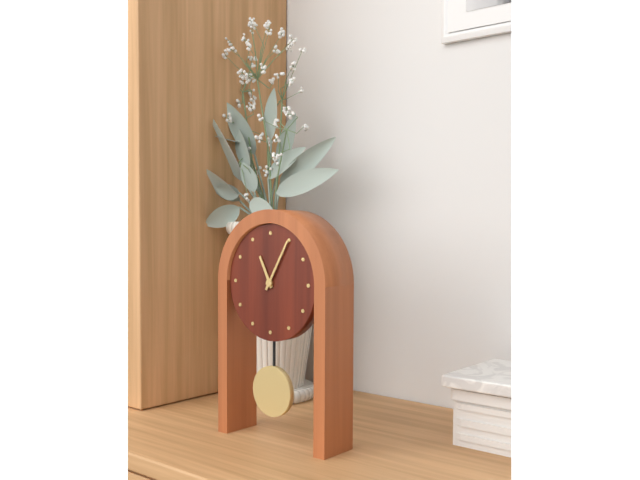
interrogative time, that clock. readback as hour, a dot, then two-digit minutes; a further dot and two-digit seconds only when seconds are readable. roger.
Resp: 11.05
